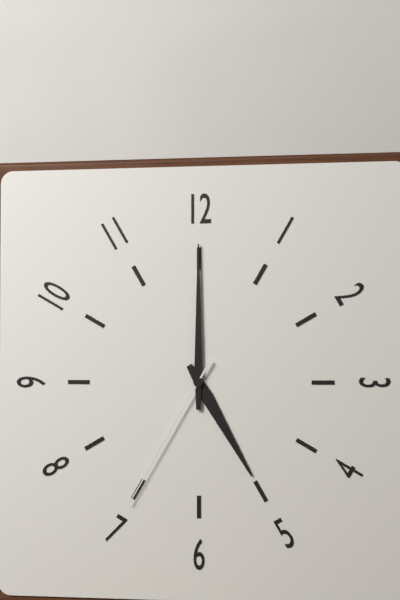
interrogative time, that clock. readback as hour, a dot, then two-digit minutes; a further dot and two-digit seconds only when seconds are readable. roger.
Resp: 5.00.35
